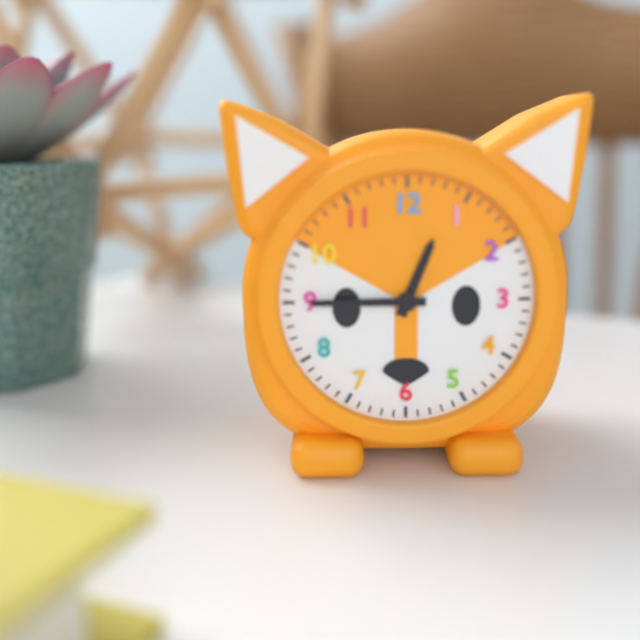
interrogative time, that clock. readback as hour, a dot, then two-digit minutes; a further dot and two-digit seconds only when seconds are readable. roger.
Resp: 12.45
